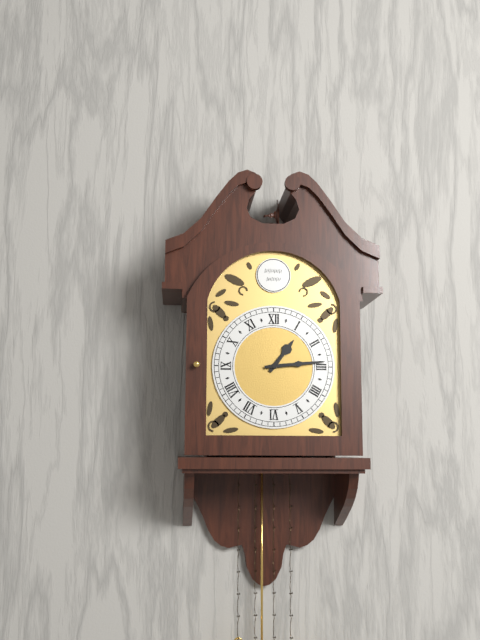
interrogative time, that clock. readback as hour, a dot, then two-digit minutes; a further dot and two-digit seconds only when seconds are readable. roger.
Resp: 1.14
